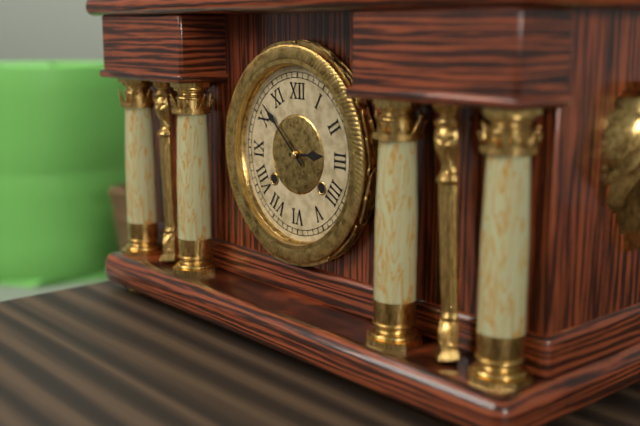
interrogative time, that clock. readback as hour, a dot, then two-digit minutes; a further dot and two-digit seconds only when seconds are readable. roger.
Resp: 2.52
